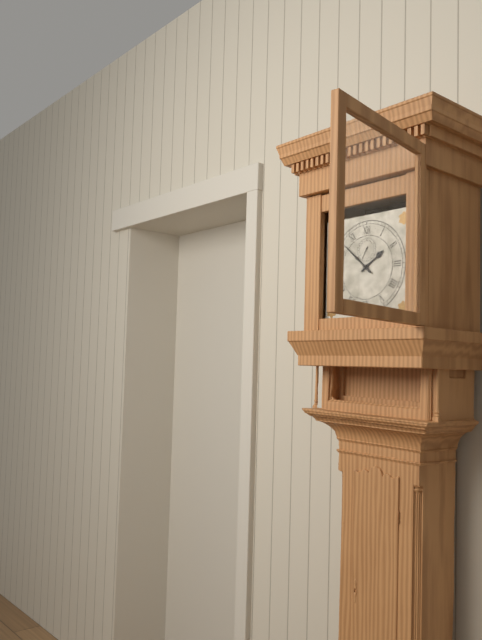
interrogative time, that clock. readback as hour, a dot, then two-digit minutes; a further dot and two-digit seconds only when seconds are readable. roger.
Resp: 1.52
